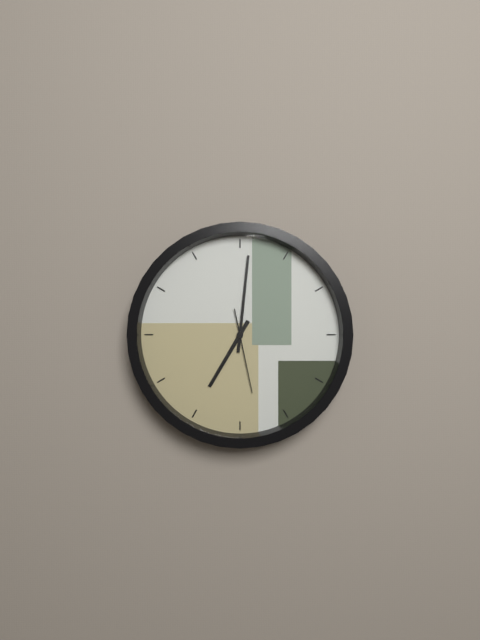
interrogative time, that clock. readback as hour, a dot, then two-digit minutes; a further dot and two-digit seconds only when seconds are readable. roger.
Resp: 7.01.28
